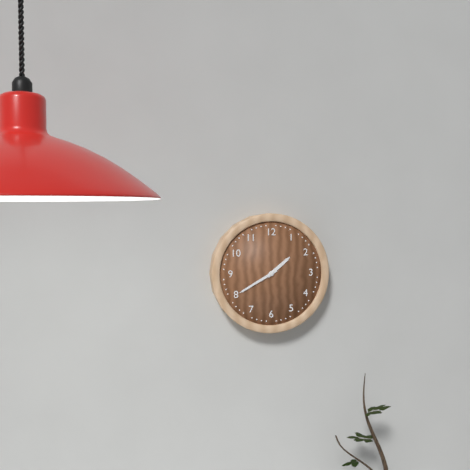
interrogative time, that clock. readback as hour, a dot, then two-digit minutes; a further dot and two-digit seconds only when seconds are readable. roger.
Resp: 1.40
